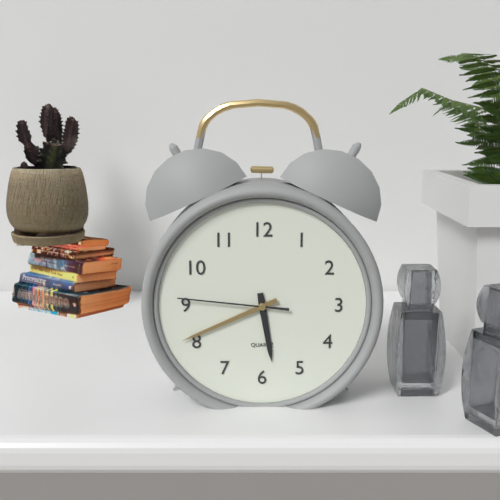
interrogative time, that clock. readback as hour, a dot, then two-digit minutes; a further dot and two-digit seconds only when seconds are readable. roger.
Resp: 5.41.46
